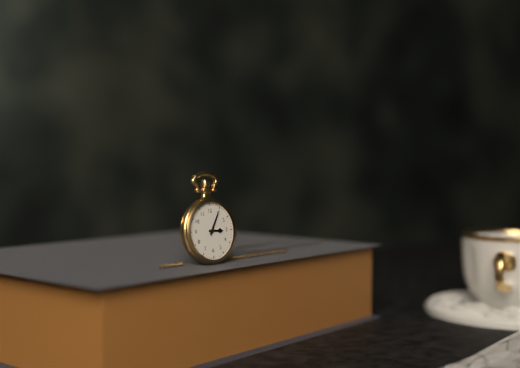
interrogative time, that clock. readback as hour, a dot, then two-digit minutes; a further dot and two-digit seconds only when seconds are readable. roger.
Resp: 3.05
